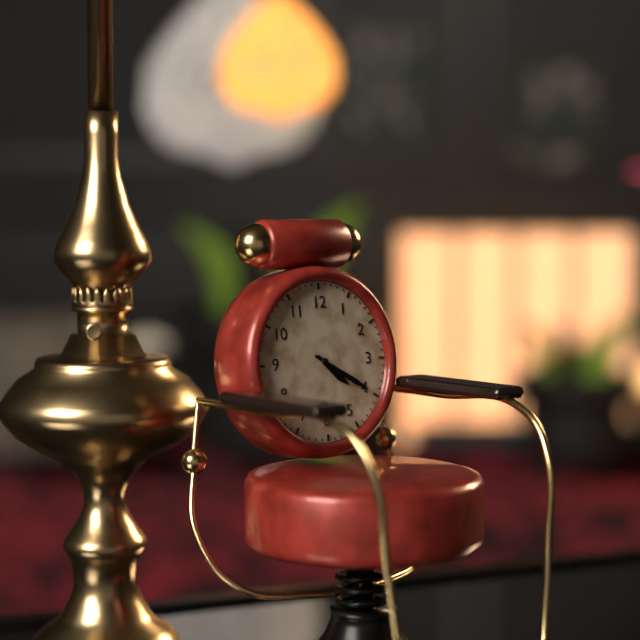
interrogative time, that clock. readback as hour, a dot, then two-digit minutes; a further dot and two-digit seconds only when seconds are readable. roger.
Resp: 4.20
